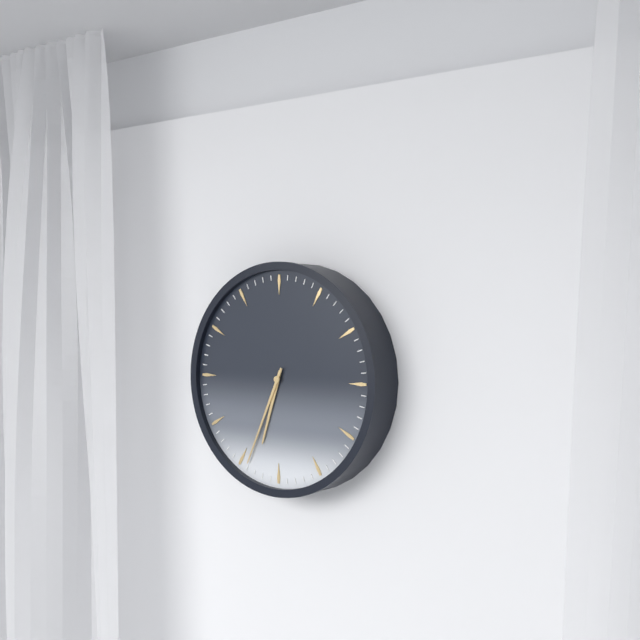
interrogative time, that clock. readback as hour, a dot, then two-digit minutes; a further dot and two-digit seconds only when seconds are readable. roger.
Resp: 6.34
